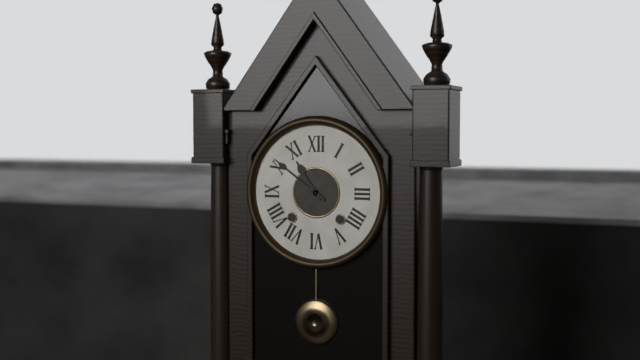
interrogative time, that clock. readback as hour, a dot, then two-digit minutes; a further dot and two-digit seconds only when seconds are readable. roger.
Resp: 10.51
